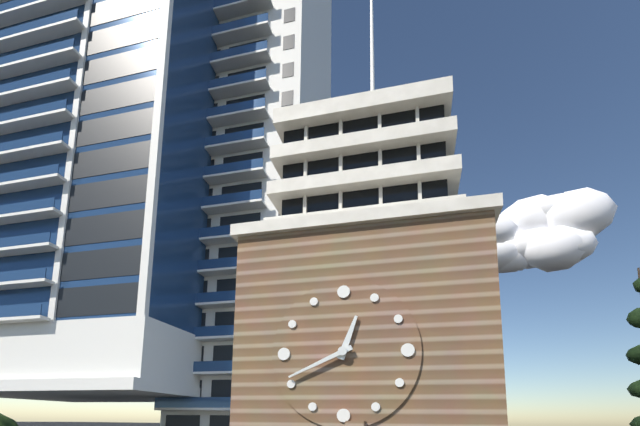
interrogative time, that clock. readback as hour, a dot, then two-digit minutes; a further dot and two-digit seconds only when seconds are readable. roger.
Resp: 12.41
